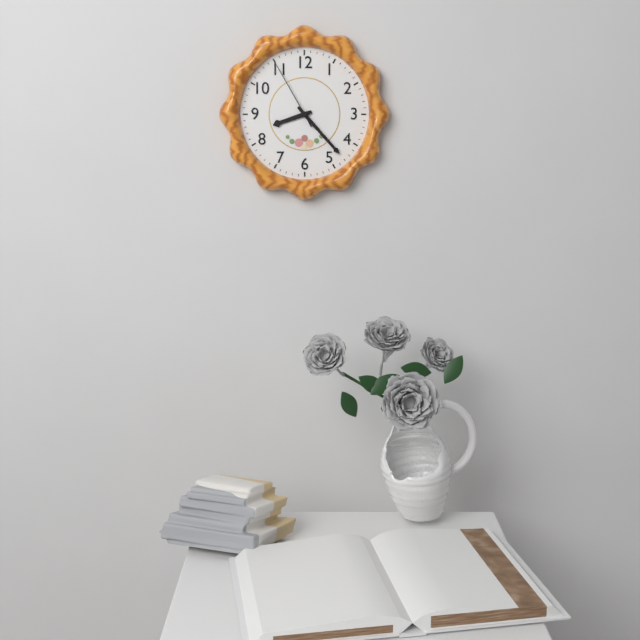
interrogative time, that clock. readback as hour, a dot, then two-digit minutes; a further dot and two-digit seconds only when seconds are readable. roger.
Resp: 8.23.55
